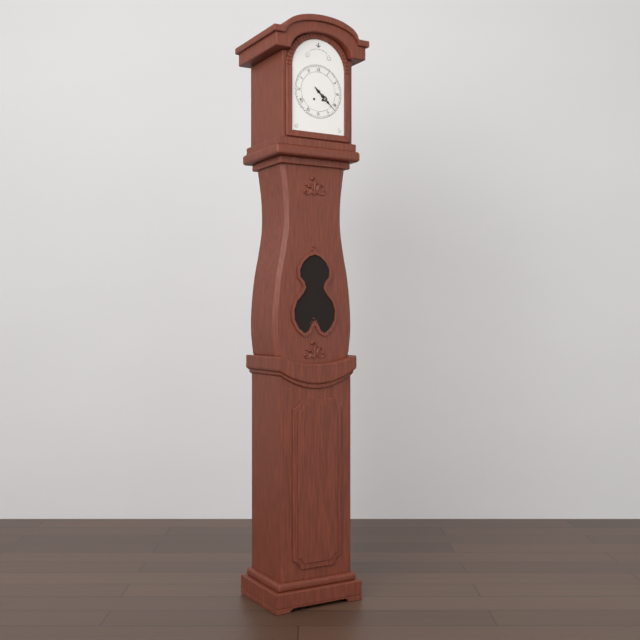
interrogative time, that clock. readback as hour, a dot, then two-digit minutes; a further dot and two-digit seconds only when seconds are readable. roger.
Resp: 4.22
